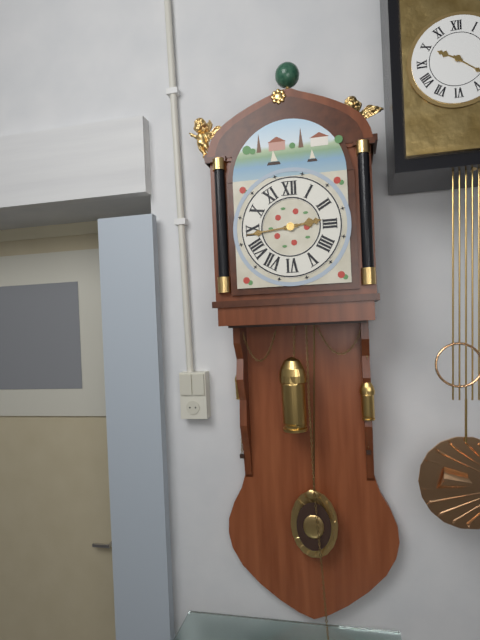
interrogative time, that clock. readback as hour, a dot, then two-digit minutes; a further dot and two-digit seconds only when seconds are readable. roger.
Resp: 2.44
